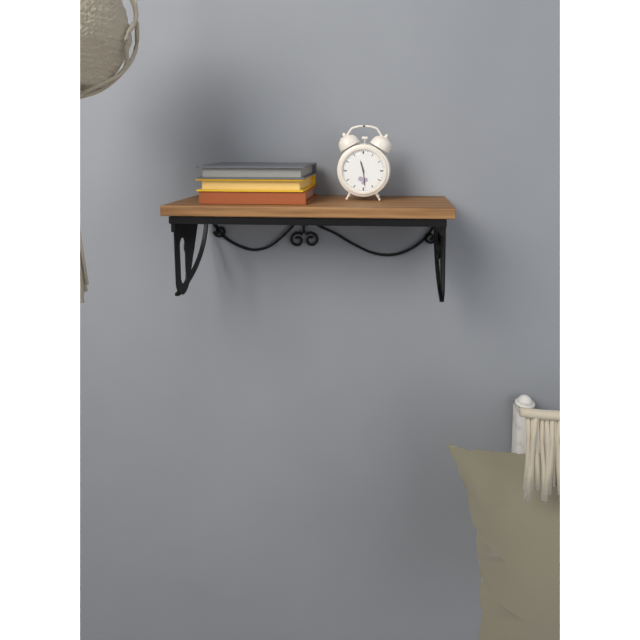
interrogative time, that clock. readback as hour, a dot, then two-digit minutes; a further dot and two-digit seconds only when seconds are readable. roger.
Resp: 11.29
